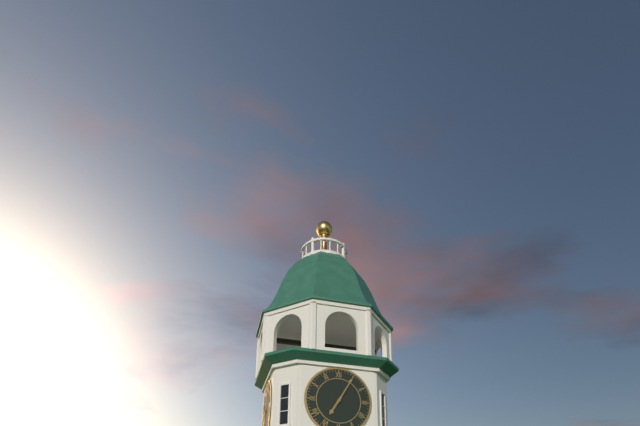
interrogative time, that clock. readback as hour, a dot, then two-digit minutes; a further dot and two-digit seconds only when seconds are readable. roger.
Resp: 7.05
